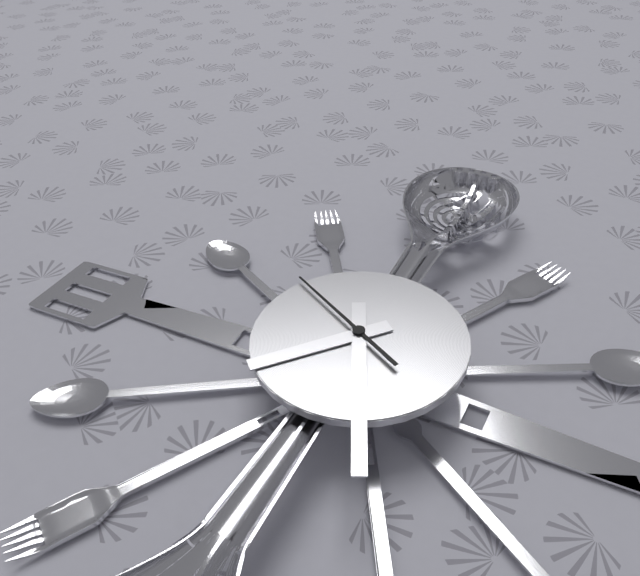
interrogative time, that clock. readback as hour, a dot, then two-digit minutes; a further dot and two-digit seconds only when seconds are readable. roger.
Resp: 7.26.50
